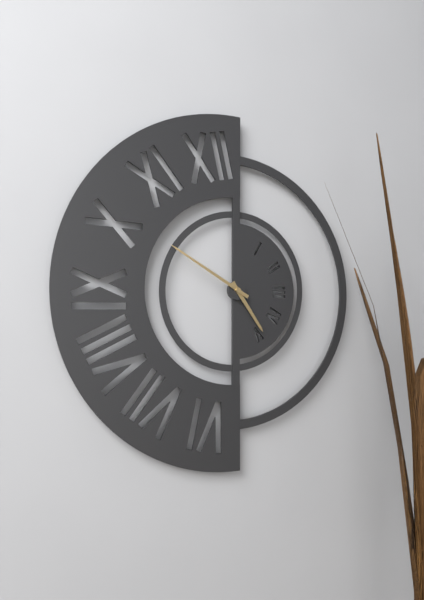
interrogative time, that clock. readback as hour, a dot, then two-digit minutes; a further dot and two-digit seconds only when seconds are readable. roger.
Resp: 4.50
